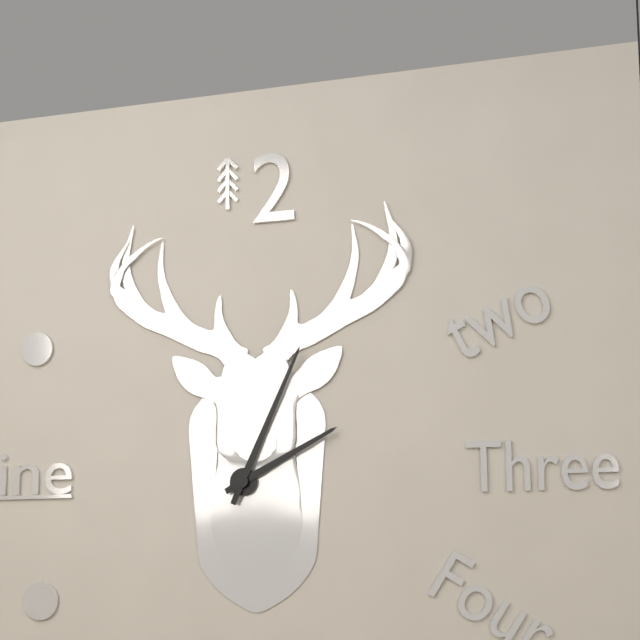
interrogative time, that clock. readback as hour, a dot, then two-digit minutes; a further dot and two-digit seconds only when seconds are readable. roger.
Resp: 2.04
